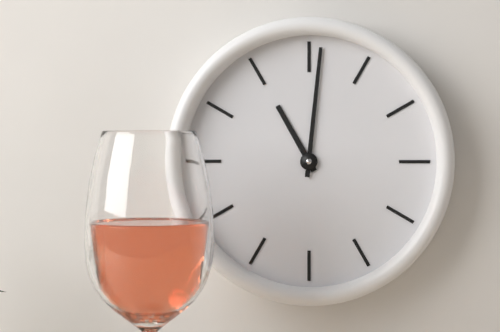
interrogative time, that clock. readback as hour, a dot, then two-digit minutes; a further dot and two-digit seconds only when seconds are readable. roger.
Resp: 11.01
